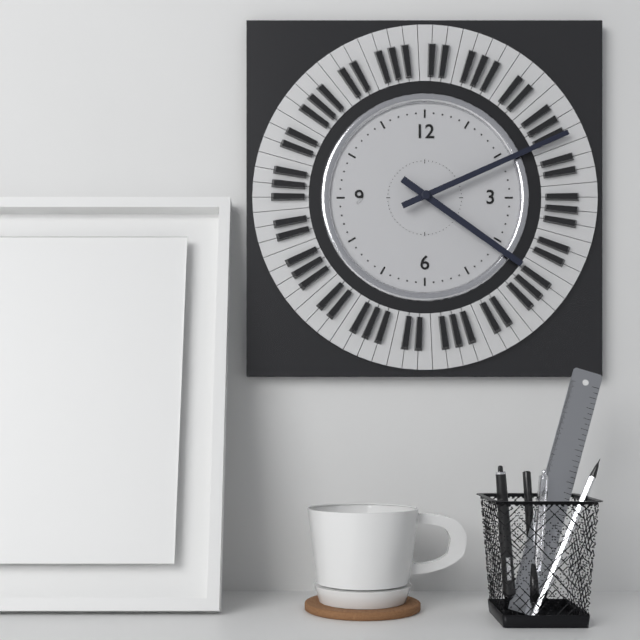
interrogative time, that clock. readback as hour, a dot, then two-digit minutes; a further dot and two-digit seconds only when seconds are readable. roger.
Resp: 4.11
